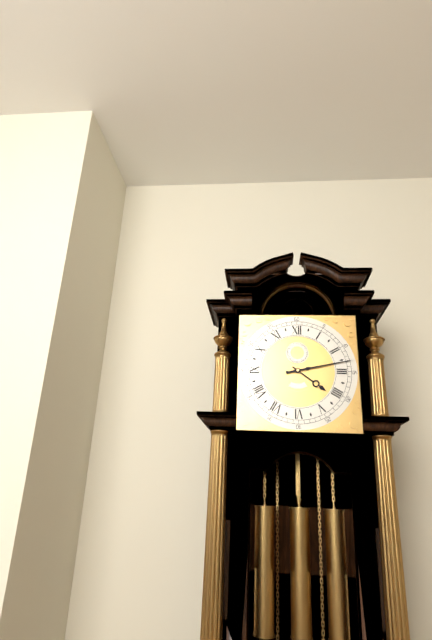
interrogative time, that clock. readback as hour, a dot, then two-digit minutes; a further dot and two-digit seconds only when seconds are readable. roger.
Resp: 4.13
